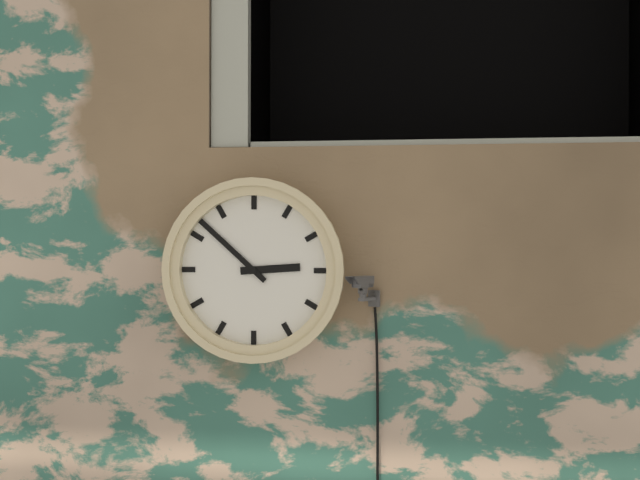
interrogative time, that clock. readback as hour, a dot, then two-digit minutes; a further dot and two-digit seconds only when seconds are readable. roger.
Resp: 2.52
